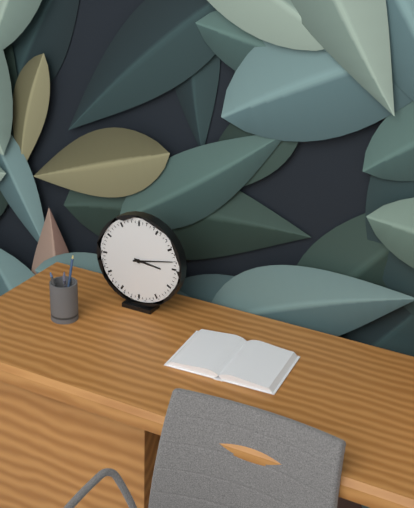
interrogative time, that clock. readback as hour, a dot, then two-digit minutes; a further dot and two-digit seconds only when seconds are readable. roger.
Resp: 3.13
